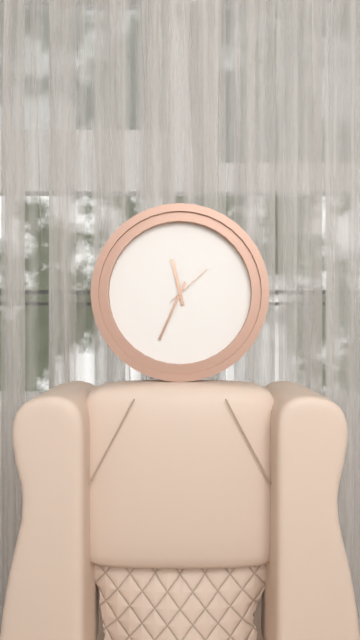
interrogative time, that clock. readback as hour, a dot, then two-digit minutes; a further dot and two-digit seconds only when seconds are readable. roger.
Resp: 11.34
